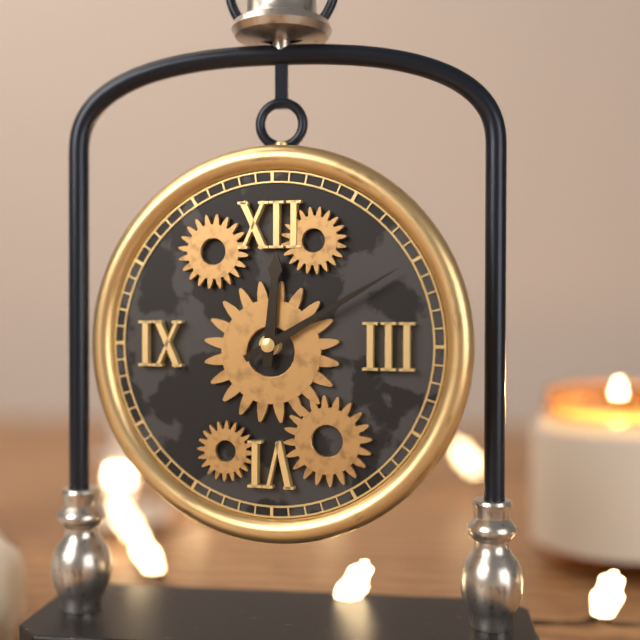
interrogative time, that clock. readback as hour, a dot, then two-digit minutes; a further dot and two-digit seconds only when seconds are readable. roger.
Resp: 12.10
